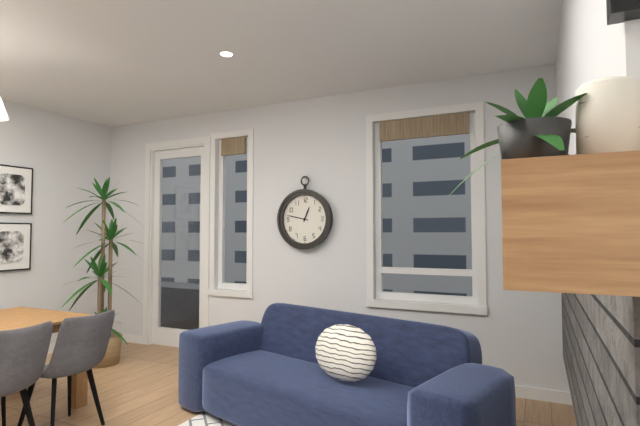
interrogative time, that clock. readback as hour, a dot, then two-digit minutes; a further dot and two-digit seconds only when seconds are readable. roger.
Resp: 12.47
